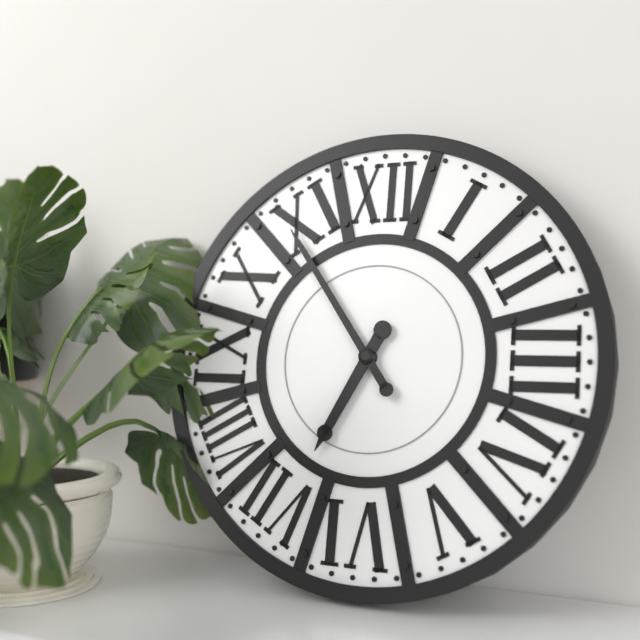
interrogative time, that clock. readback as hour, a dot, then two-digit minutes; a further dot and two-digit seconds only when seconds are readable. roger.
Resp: 6.54
